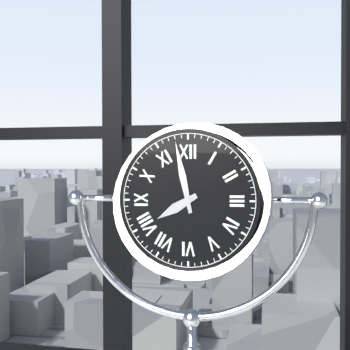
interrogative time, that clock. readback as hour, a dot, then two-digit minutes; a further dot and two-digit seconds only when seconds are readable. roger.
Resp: 7.58
